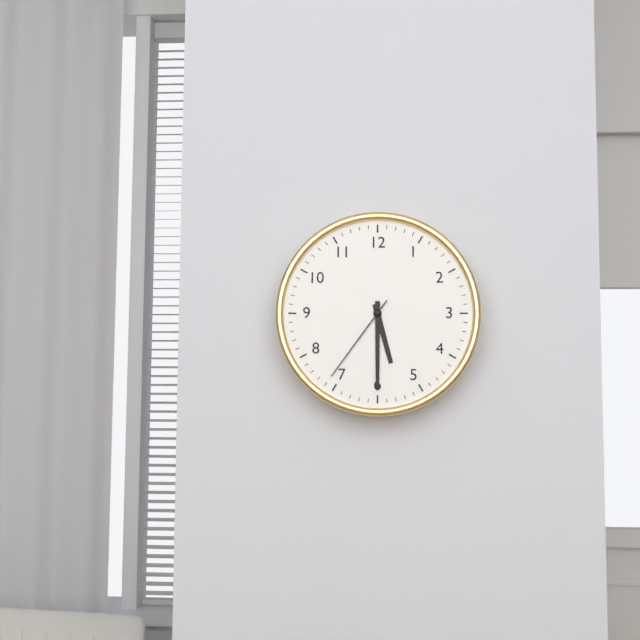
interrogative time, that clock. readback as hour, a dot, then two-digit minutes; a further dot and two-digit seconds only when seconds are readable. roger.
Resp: 5.30.36
